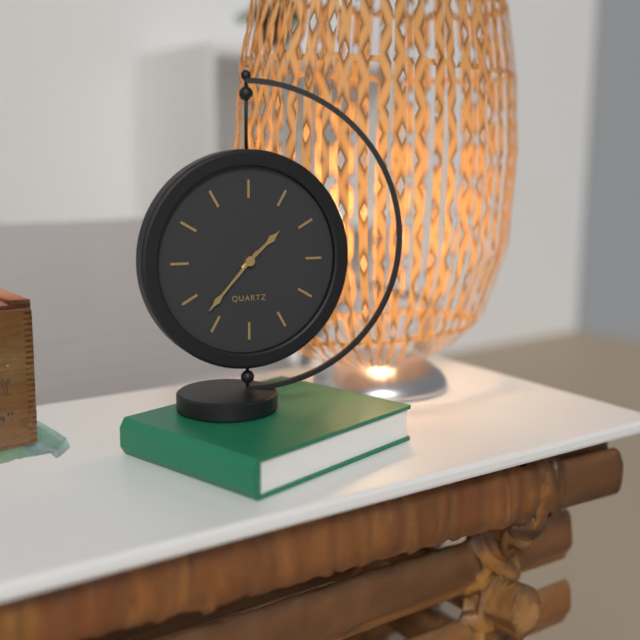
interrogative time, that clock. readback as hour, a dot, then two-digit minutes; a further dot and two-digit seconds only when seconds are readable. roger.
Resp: 1.37
